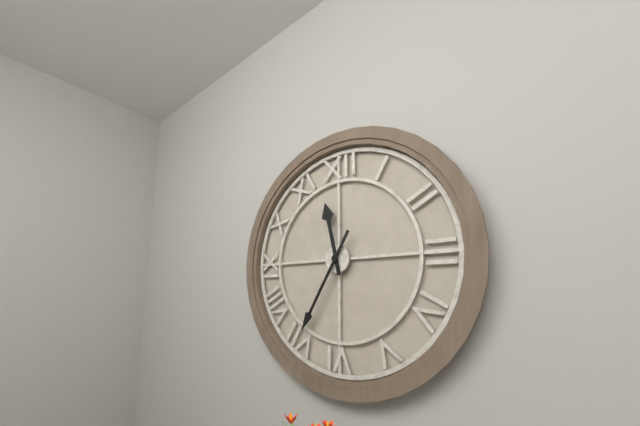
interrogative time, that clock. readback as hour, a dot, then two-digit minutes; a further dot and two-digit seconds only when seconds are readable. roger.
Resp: 11.35
